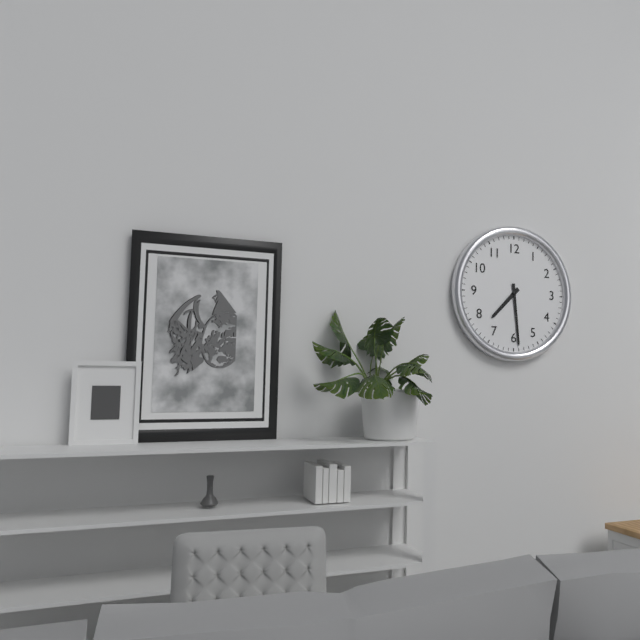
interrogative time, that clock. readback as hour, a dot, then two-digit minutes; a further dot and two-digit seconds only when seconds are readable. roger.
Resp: 7.29
